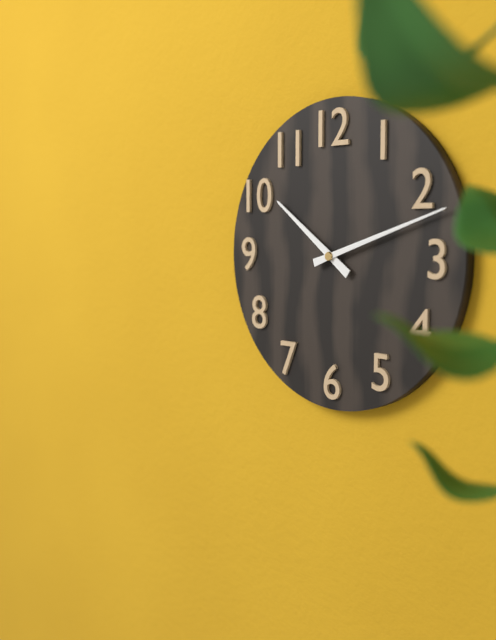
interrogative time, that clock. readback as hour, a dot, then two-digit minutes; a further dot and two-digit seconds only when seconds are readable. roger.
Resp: 10.12
